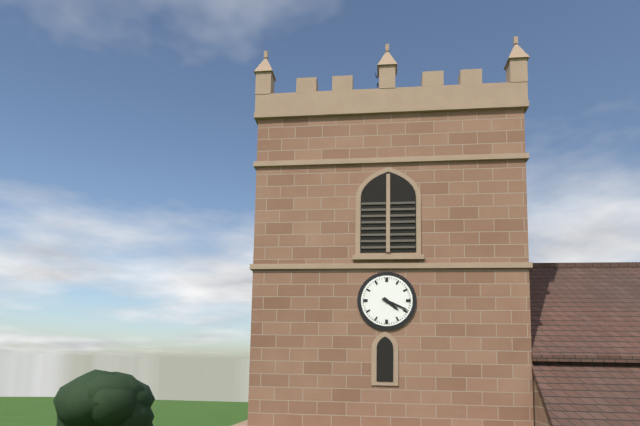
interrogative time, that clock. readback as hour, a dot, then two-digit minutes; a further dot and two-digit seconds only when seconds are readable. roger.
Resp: 4.19
